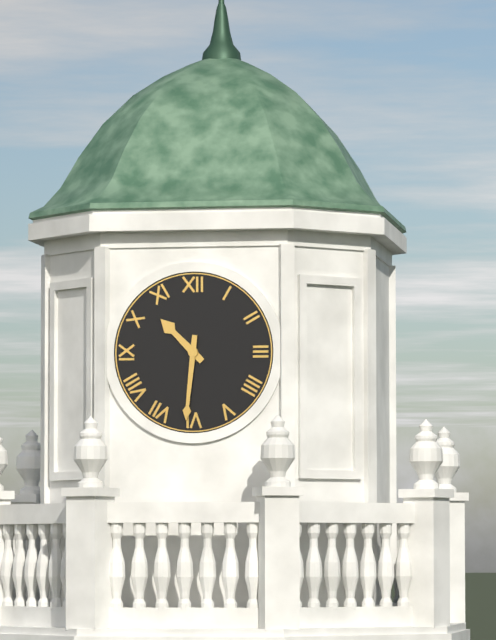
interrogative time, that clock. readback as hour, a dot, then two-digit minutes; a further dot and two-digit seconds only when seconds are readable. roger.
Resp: 10.31
